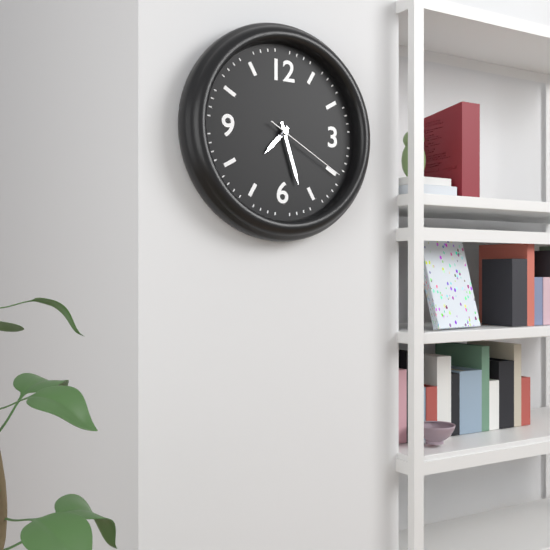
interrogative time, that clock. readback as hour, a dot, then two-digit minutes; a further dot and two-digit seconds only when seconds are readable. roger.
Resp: 7.27.20
